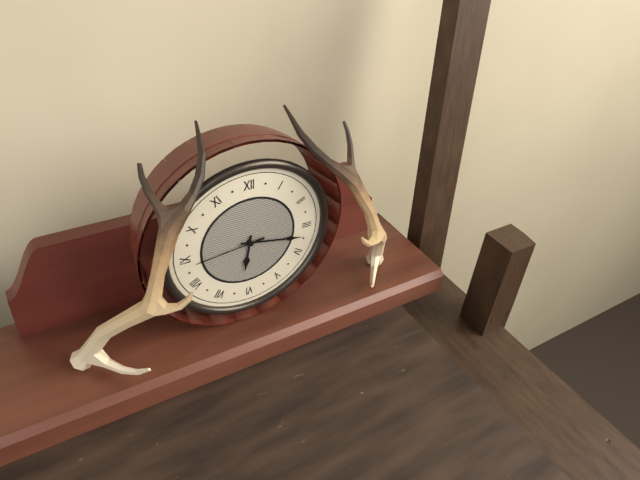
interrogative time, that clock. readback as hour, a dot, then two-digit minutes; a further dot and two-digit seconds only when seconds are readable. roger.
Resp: 6.17.44
